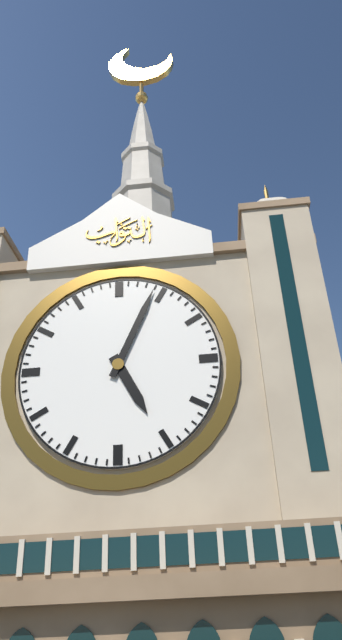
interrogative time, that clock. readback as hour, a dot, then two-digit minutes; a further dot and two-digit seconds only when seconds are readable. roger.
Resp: 5.04
